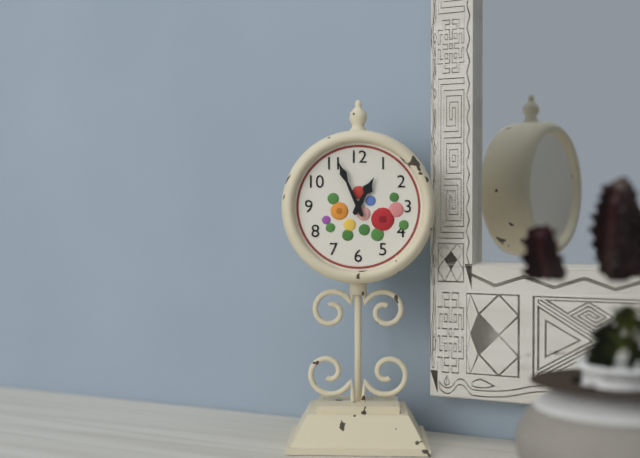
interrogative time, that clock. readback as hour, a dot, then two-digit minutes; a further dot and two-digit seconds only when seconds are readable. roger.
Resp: 12.56
